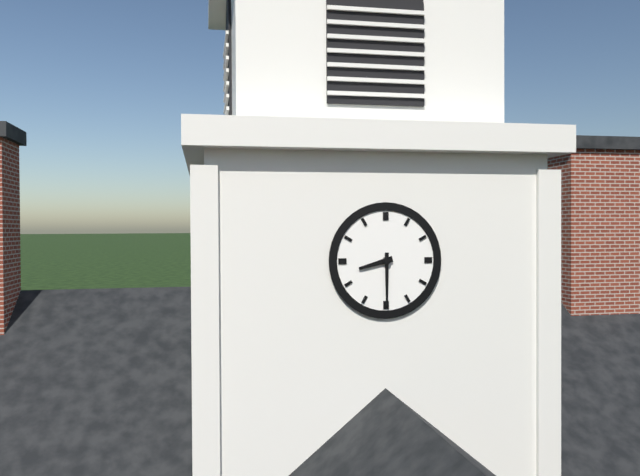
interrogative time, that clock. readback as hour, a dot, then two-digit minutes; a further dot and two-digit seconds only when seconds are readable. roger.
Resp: 8.30
